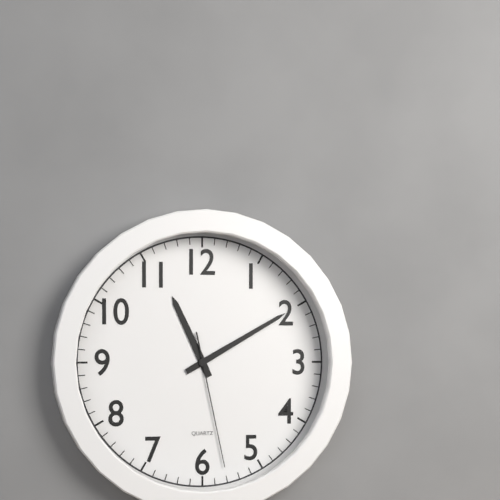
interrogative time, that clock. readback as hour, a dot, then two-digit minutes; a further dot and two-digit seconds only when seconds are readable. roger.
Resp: 11.10.28
